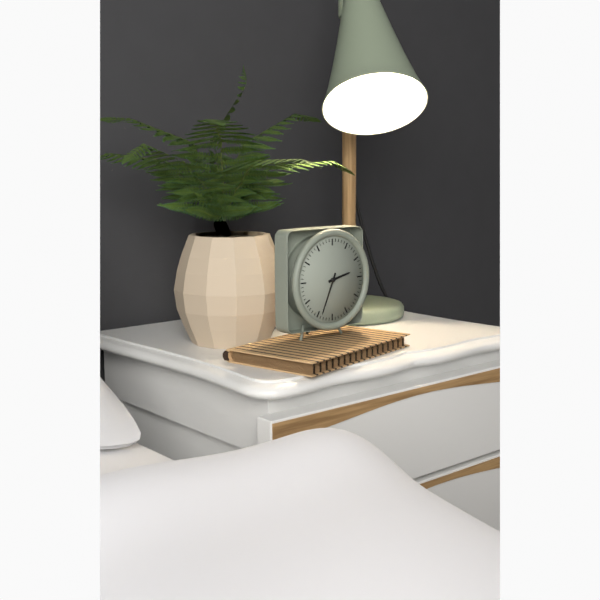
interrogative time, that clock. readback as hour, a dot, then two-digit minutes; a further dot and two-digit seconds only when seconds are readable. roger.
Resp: 2.34
